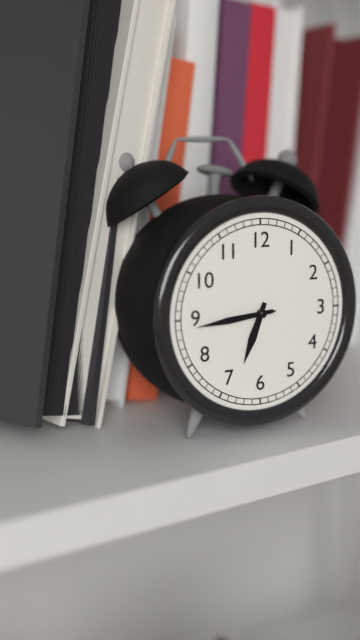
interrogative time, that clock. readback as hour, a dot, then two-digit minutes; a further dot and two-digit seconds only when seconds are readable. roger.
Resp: 6.44.44
